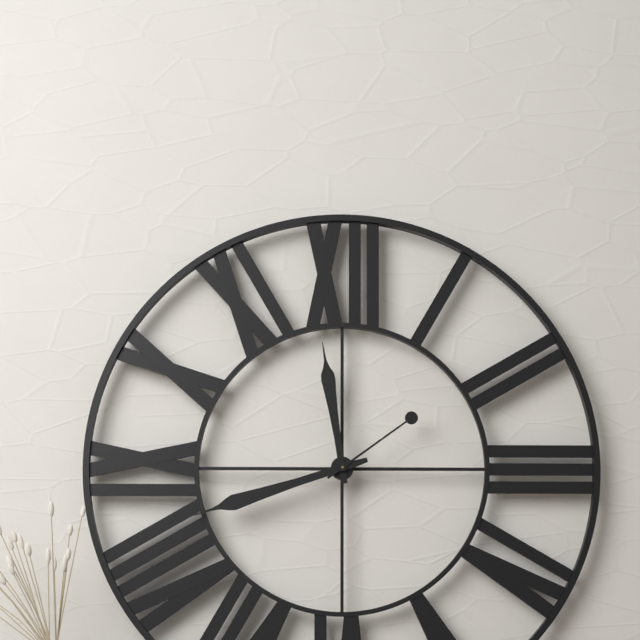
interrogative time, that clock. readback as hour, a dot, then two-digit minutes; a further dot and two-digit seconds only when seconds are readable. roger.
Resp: 11.42.09
